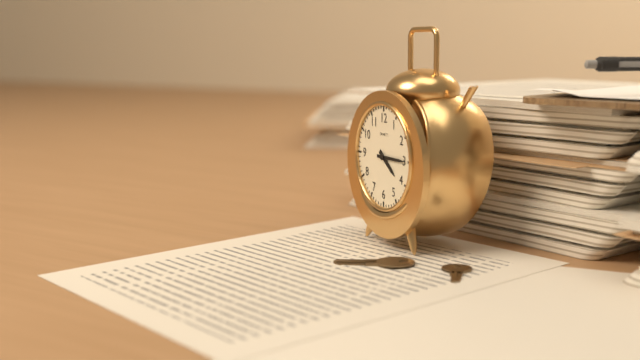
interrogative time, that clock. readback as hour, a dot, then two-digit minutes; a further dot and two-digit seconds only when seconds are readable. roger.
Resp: 4.15
